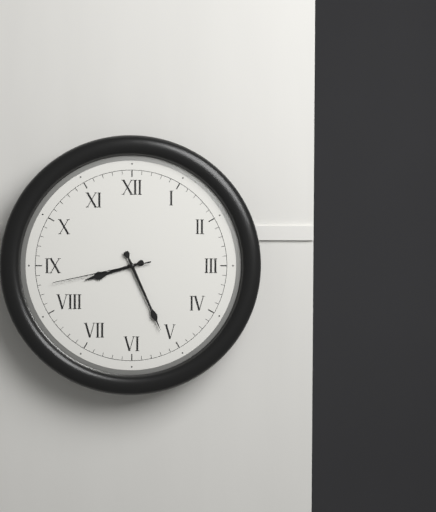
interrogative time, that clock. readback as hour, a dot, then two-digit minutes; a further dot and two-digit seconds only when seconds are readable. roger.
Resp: 8.26.43
